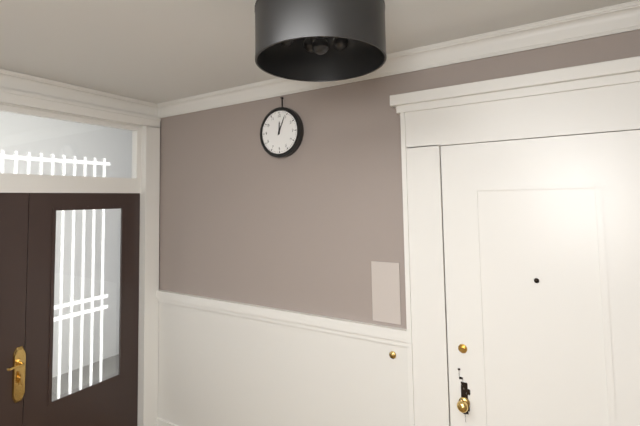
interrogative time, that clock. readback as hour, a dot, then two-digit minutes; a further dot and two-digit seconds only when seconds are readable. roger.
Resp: 12.04
